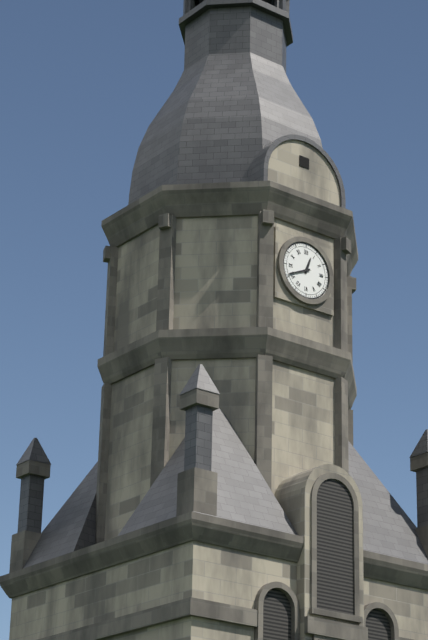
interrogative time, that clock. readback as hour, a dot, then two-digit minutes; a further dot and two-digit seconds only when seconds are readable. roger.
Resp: 12.41
